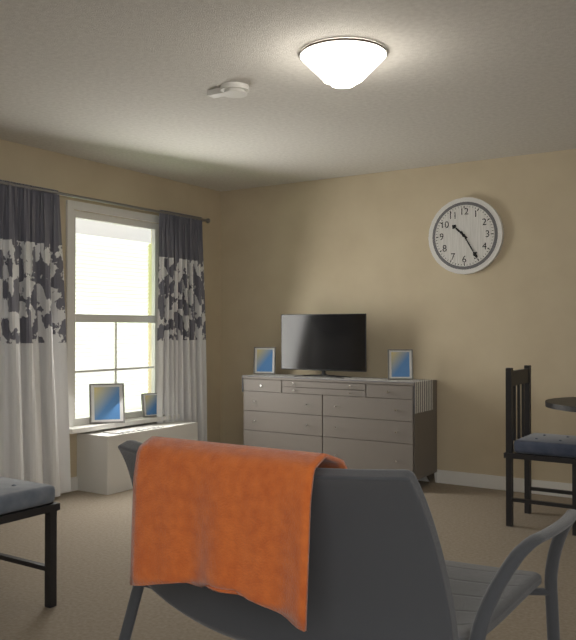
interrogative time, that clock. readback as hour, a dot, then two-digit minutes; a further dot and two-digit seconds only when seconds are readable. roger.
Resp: 10.25
